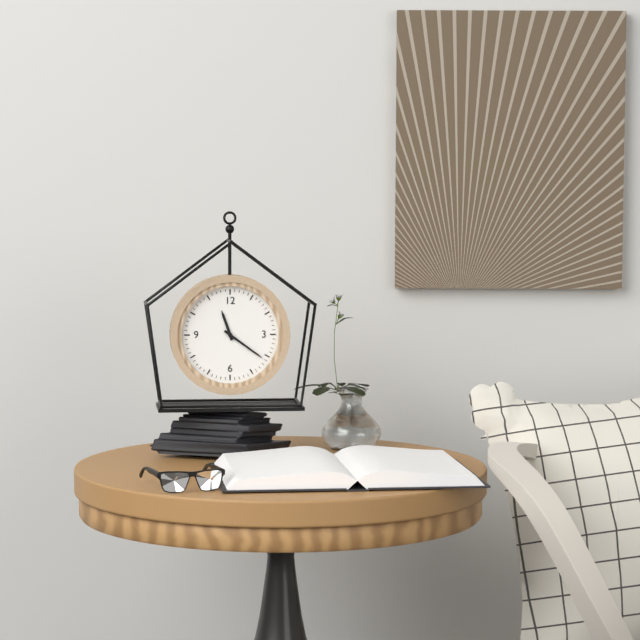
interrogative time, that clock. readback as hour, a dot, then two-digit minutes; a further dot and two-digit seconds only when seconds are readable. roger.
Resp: 11.21
